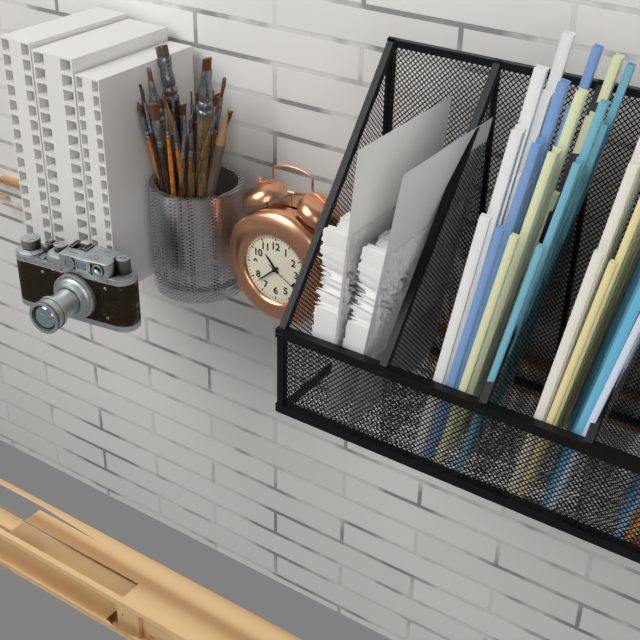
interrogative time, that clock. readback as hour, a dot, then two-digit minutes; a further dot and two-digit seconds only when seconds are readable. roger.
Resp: 10.38
